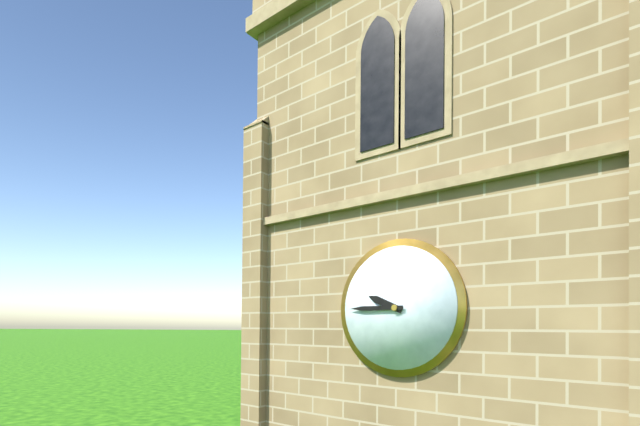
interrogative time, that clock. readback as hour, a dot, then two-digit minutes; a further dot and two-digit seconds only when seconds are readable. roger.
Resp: 9.45
